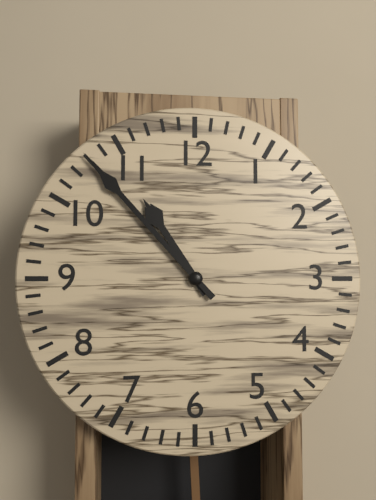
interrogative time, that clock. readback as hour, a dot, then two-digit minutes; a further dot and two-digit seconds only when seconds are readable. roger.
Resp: 10.53
